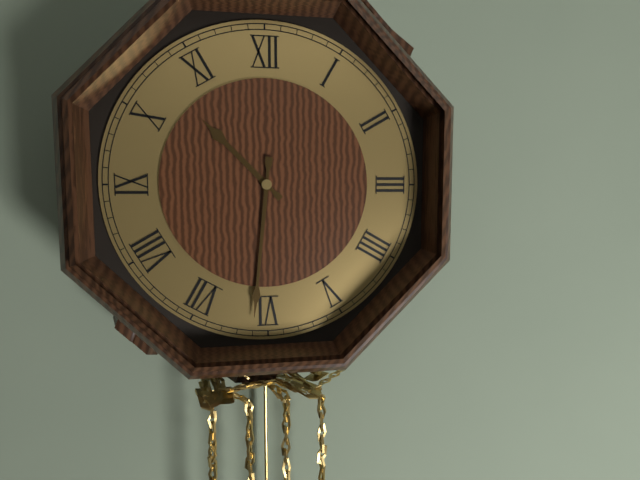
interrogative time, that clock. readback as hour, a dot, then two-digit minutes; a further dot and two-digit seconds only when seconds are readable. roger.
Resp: 10.31
